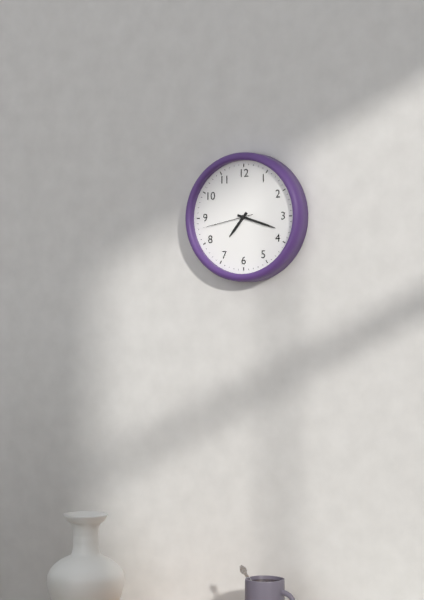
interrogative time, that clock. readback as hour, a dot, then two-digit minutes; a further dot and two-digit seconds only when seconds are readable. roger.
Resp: 7.18.43
